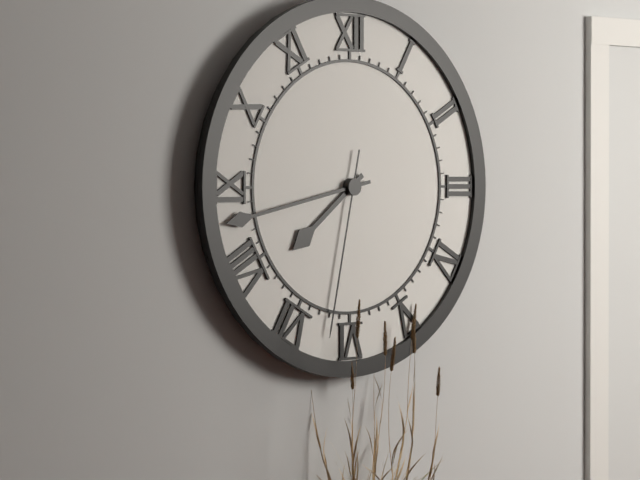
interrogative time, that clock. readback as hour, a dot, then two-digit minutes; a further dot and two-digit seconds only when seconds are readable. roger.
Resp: 7.43.32
